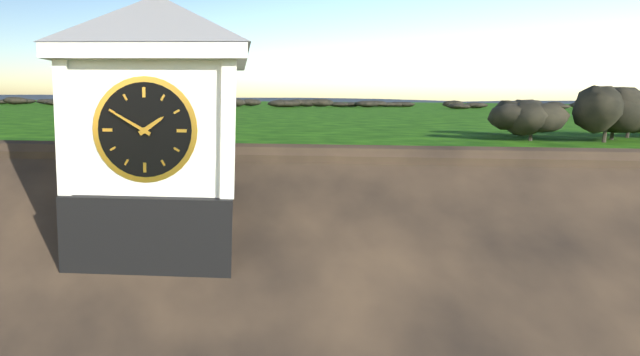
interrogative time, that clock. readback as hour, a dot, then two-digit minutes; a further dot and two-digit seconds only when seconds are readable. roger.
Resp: 1.50
